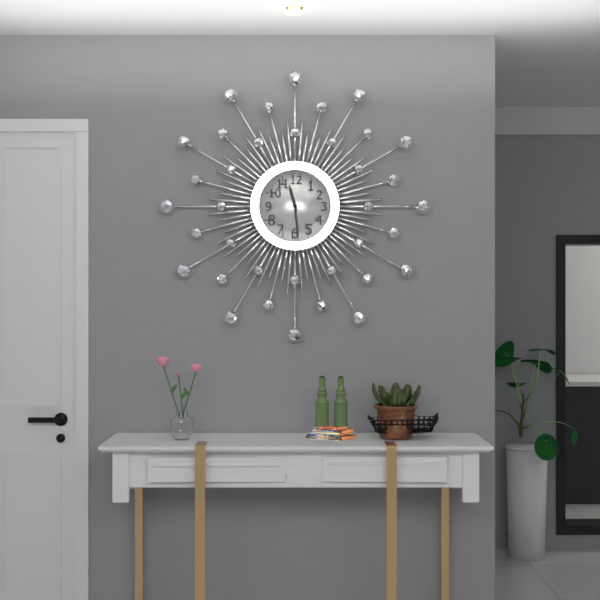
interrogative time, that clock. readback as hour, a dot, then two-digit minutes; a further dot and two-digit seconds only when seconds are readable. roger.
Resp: 11.29
